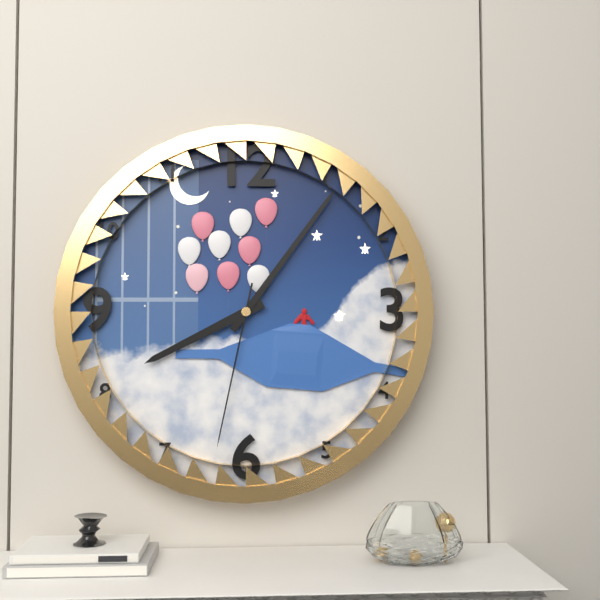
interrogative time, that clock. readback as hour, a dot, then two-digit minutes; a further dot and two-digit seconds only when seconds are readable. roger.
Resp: 8.06.32
